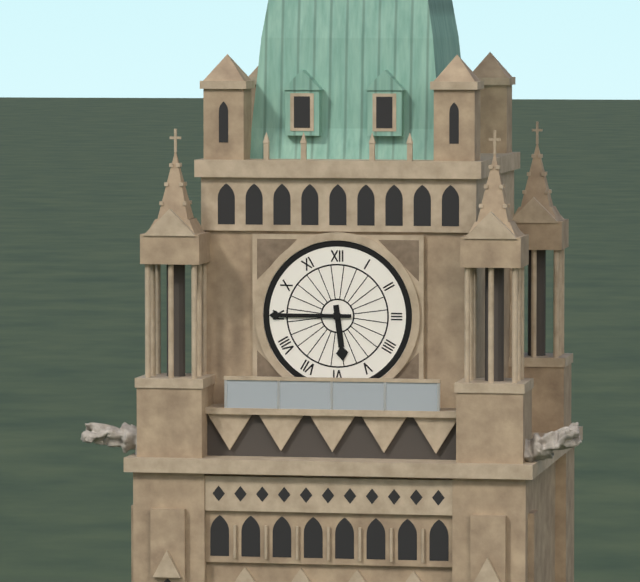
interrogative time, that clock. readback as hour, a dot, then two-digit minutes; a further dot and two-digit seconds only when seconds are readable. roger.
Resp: 5.45
